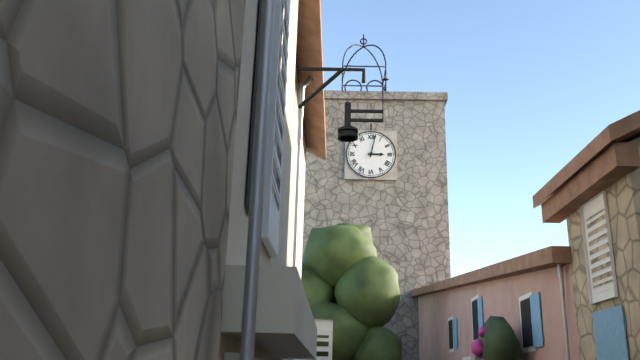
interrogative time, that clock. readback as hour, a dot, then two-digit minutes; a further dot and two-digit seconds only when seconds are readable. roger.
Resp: 3.02
